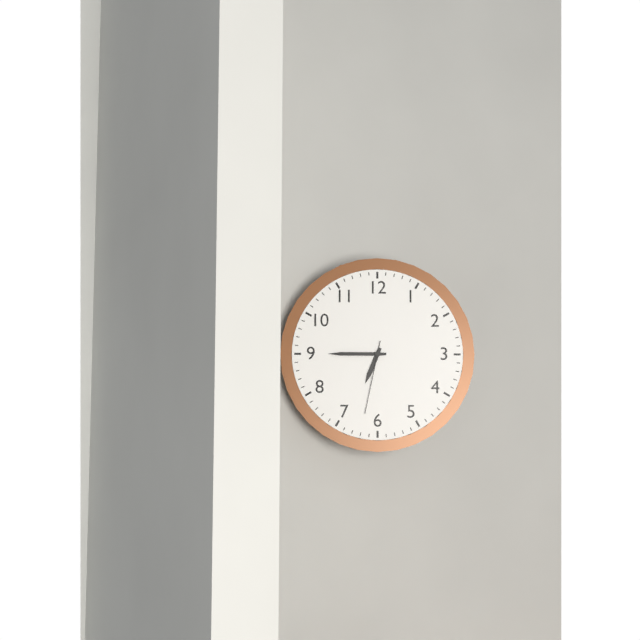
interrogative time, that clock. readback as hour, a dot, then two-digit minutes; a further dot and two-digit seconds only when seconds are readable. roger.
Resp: 6.45.32
